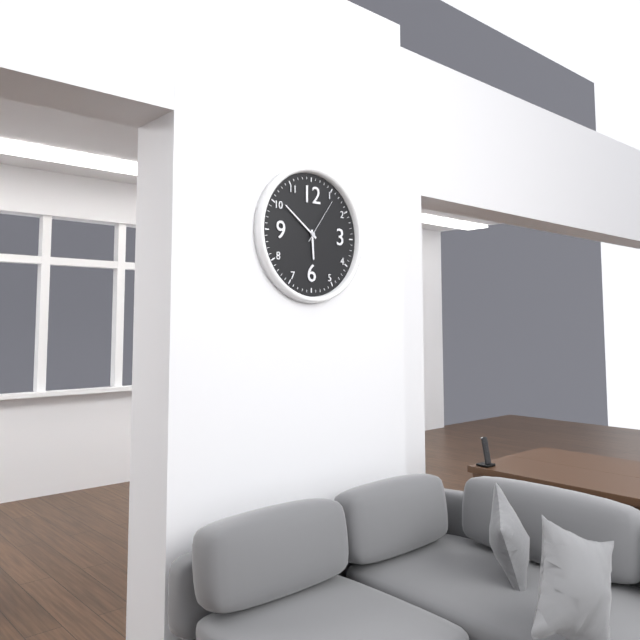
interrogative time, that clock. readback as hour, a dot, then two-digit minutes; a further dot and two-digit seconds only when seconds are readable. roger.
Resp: 5.51.06
